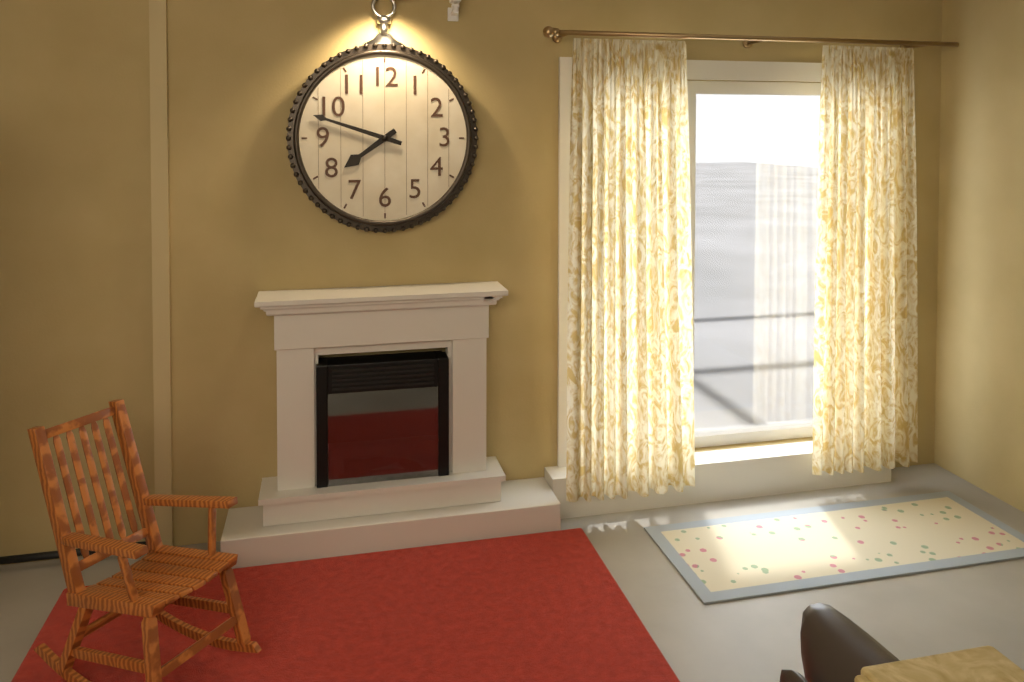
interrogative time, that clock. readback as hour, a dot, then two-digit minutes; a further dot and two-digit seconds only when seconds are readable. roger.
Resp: 7.48
